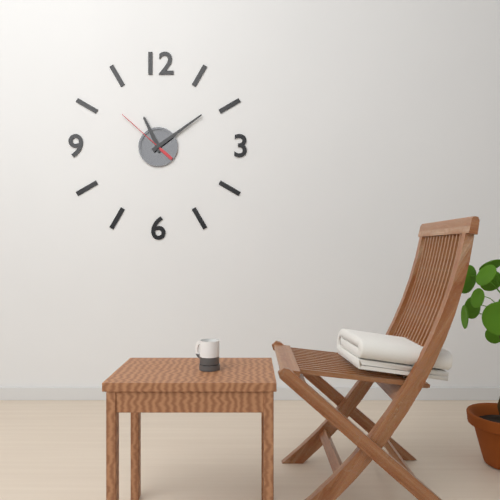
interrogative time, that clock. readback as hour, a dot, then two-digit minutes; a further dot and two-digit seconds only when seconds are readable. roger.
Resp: 11.09.52
